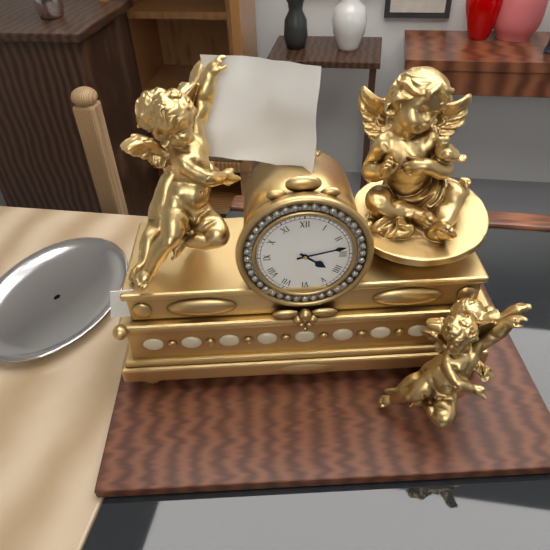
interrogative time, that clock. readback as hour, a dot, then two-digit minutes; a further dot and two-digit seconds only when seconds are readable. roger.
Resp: 4.13
